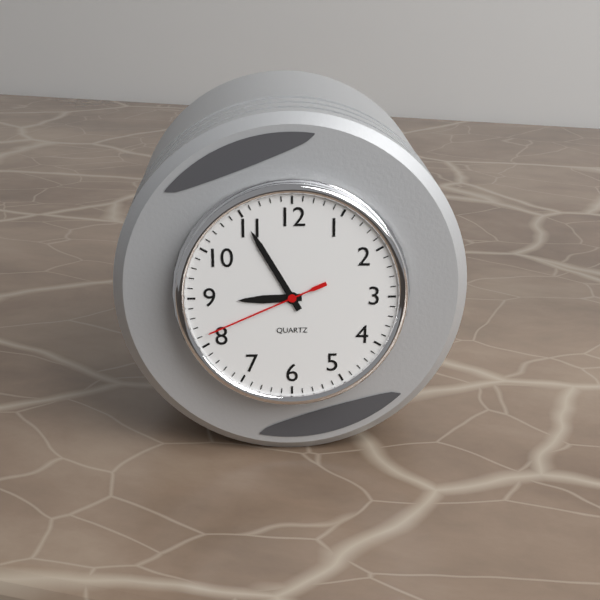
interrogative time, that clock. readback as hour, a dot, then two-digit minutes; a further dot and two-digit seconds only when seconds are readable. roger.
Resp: 8.55.41
